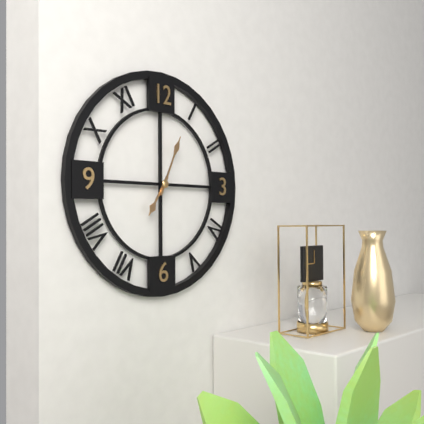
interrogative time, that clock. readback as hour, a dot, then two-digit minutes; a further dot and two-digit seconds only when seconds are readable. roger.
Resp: 7.04
